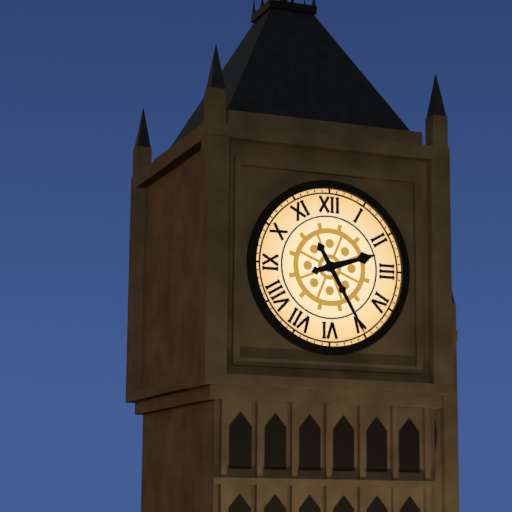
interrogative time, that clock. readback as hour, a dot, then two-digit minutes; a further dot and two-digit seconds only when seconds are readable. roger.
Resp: 2.25
